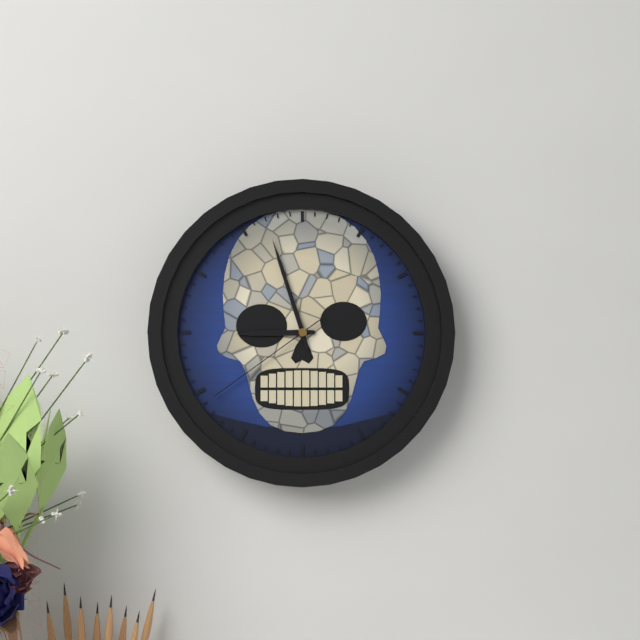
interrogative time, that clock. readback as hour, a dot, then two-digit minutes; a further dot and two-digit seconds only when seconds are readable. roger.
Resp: 8.57.39
